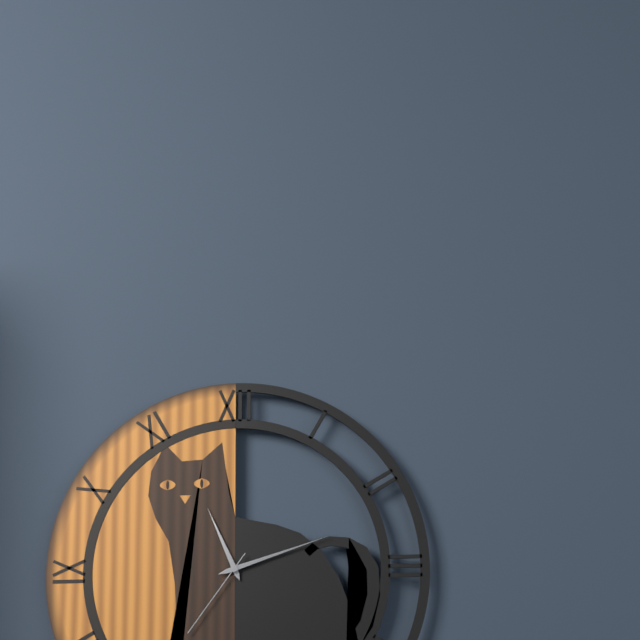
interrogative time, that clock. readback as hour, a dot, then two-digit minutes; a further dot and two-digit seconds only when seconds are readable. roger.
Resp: 11.12.36
